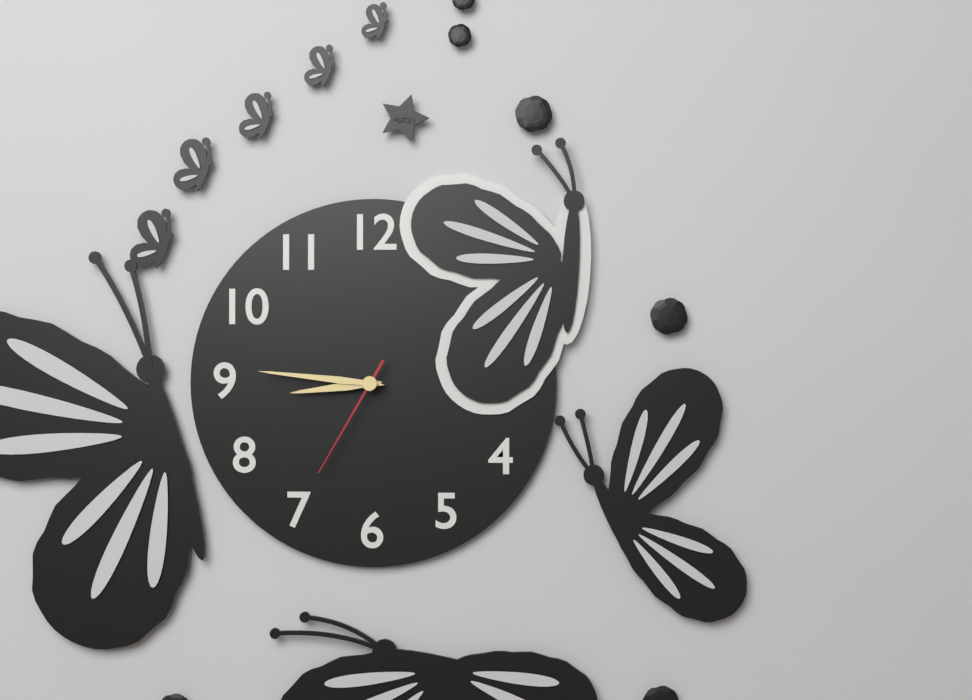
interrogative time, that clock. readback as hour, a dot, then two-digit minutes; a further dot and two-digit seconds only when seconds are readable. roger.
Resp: 8.46.35
